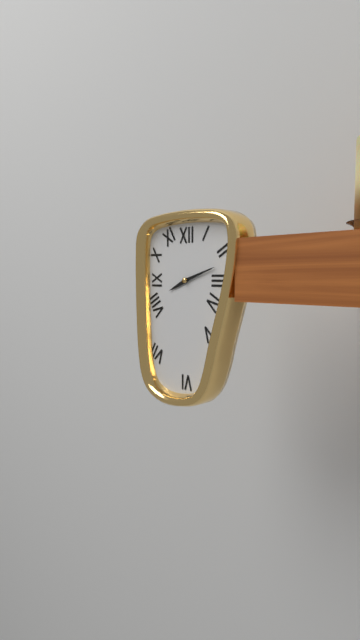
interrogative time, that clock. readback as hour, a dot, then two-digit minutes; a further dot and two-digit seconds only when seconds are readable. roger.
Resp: 8.12
